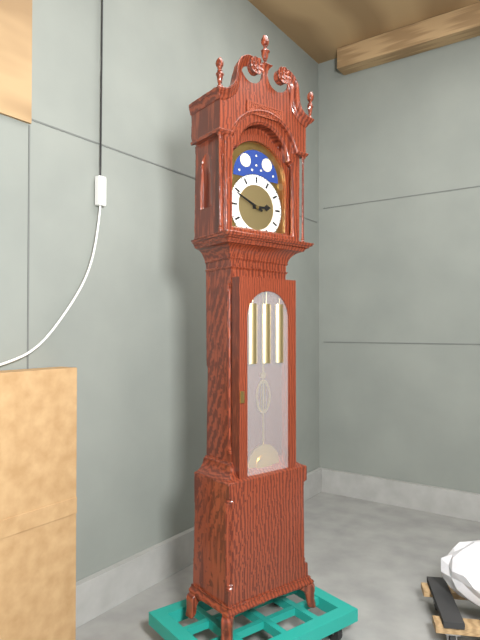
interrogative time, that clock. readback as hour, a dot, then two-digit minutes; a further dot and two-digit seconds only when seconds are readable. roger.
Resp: 2.49
